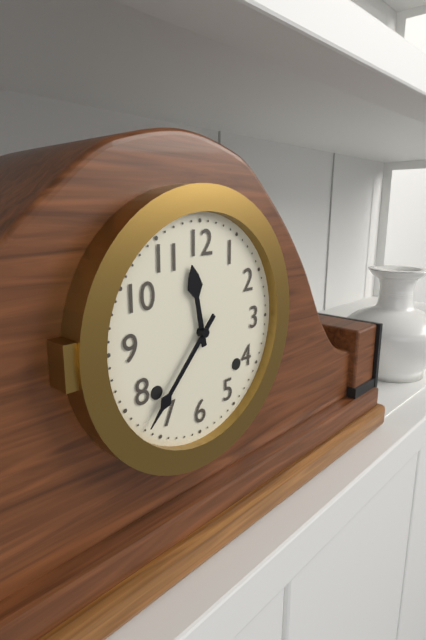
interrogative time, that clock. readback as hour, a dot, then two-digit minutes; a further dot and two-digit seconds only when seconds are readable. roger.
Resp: 11.37
